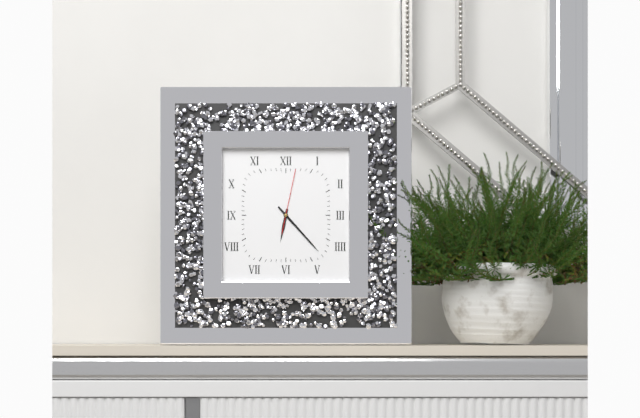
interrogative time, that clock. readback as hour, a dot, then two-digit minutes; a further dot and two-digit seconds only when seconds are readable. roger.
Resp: 6.23.02
